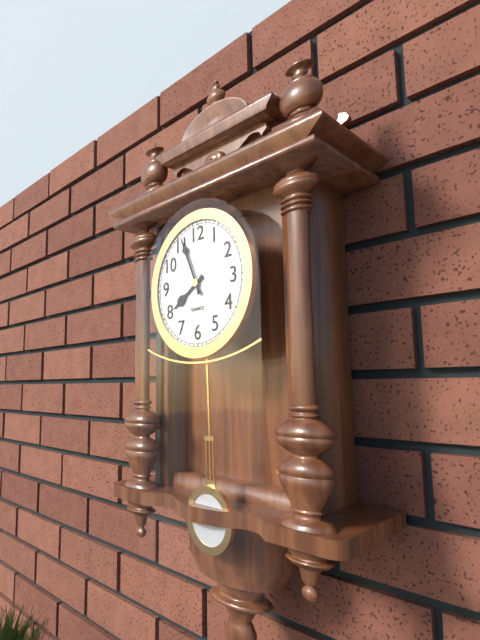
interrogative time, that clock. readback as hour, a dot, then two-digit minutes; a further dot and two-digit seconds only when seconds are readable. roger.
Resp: 7.56
